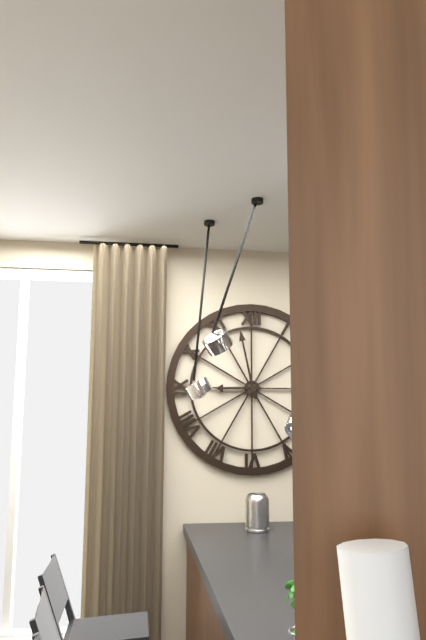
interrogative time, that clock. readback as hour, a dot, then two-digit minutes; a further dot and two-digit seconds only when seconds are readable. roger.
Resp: 8.58
